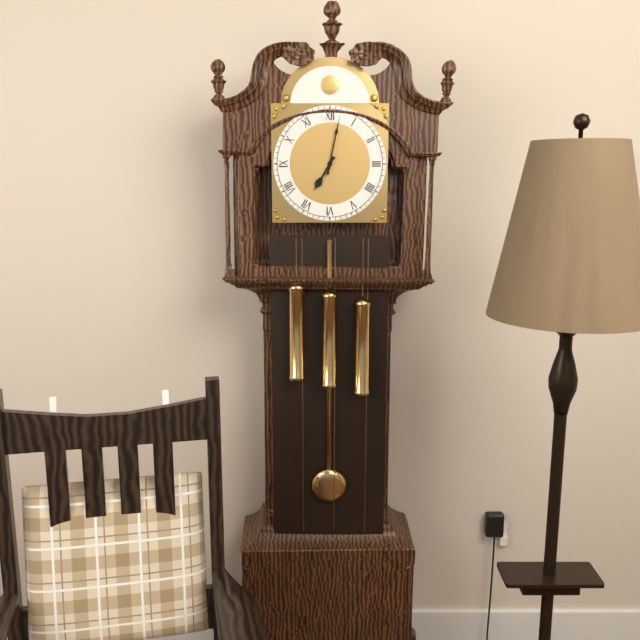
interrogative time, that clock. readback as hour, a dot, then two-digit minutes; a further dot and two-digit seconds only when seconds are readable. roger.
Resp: 7.02
